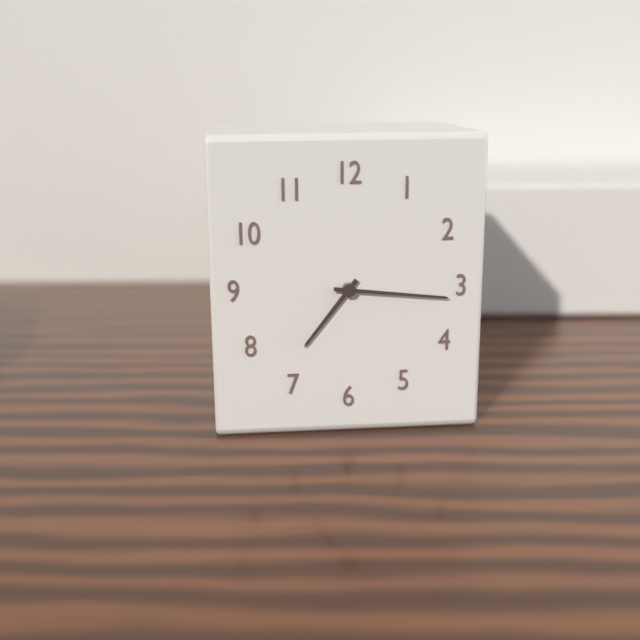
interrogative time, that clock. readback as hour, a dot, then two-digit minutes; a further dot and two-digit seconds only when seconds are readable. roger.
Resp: 7.16
